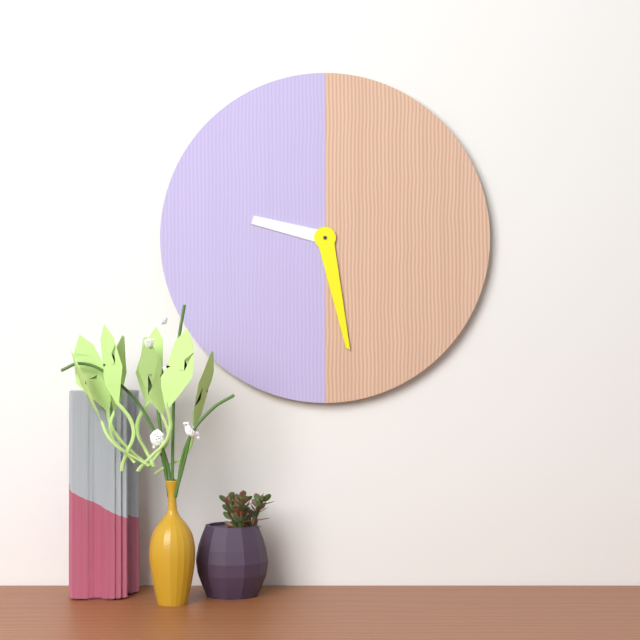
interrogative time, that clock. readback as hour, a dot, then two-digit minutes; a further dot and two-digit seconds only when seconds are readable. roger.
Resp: 9.28
